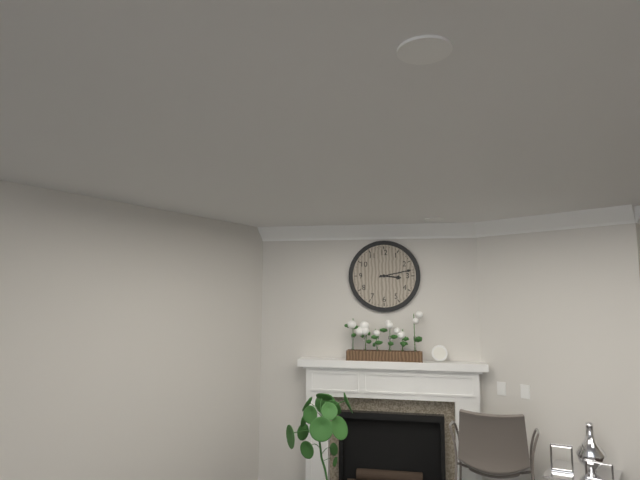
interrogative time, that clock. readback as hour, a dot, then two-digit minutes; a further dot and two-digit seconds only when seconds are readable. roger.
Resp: 3.13
